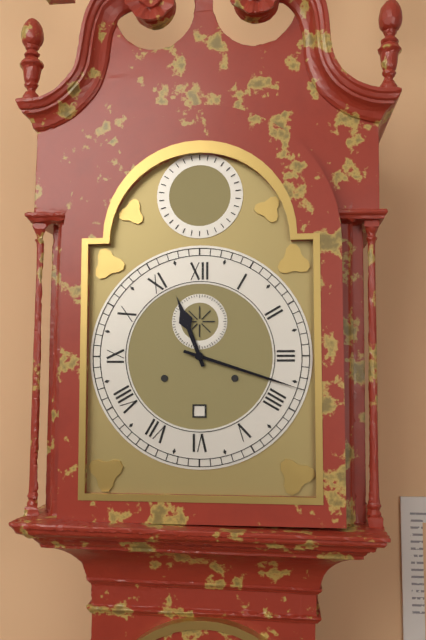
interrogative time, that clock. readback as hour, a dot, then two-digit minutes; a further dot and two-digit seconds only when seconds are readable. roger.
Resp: 11.18
